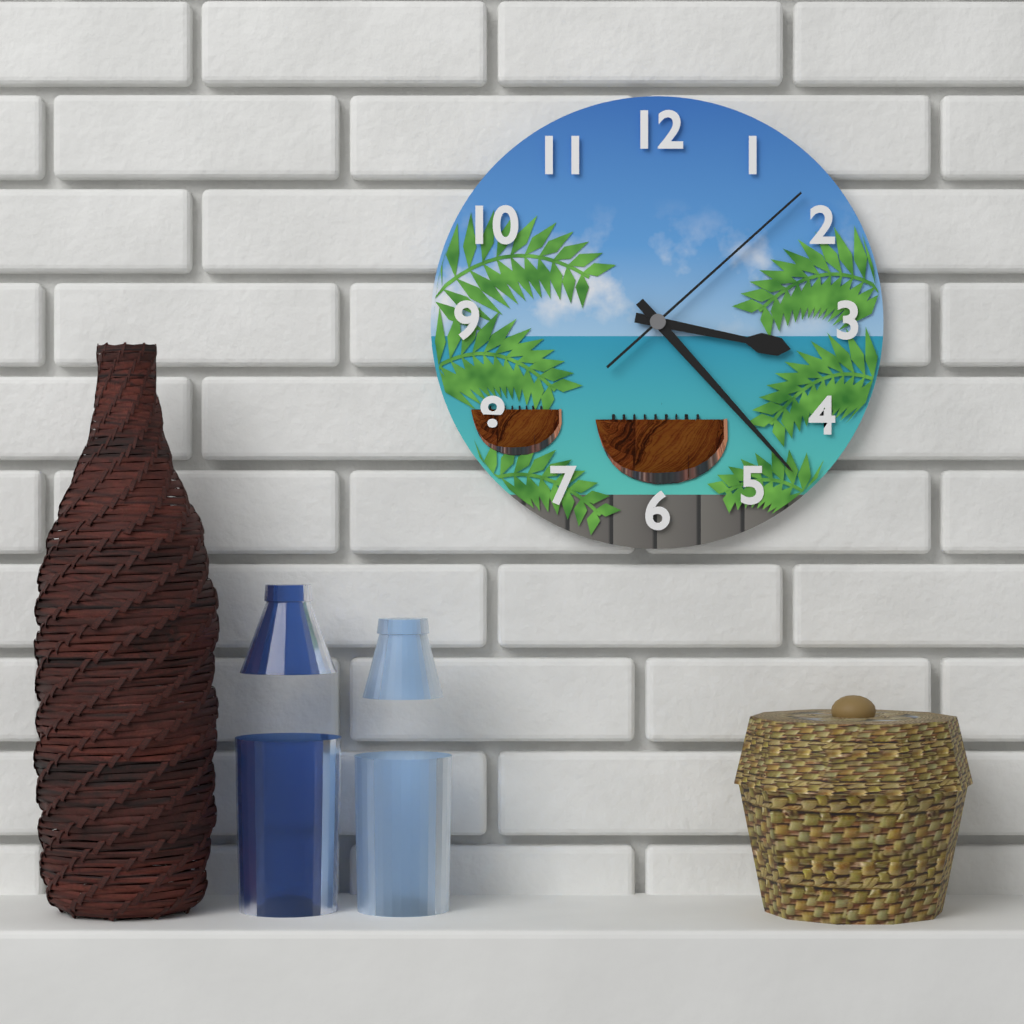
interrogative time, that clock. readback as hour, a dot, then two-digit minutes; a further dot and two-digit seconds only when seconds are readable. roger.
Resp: 3.23.08
